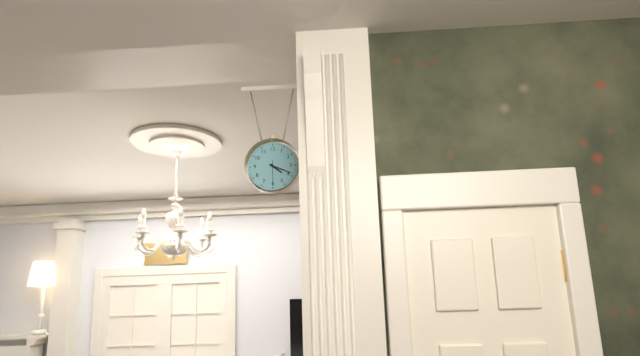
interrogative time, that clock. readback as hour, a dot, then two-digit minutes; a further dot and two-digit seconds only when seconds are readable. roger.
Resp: 4.19
